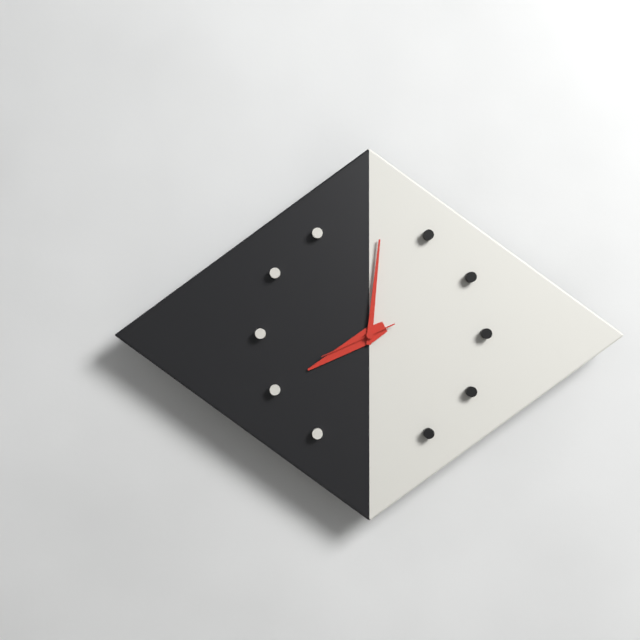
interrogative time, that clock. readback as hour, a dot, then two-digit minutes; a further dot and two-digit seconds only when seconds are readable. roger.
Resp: 8.01.41
